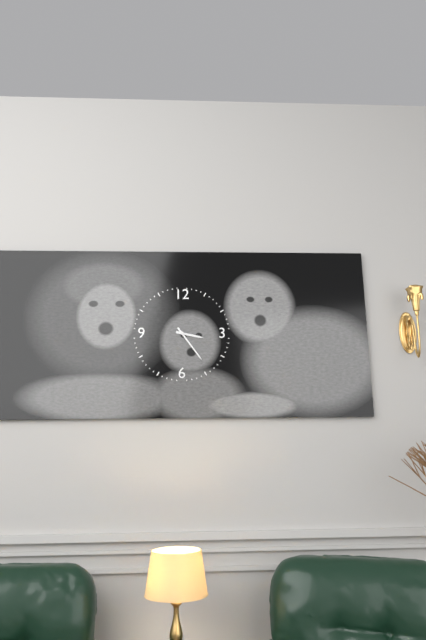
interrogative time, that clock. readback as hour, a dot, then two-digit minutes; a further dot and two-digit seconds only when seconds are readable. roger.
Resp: 3.24
